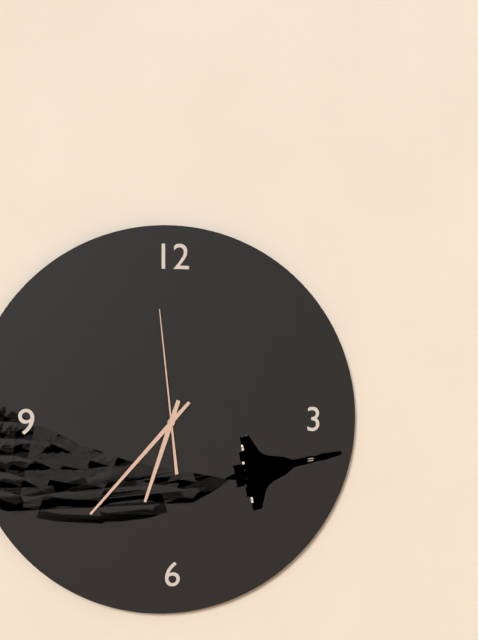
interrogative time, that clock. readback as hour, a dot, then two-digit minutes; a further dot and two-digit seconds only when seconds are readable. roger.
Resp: 6.37.59
